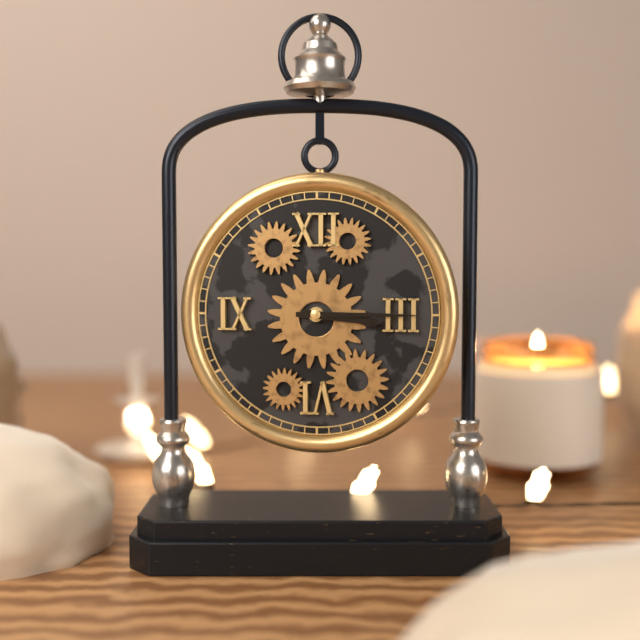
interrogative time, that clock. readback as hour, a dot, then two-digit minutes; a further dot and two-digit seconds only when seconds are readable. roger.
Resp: 3.15
